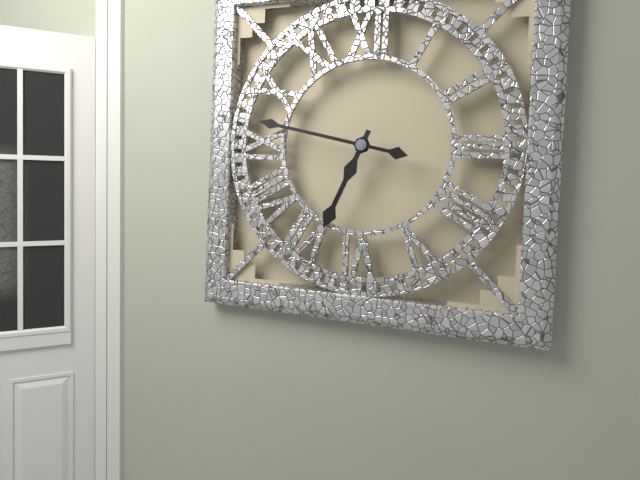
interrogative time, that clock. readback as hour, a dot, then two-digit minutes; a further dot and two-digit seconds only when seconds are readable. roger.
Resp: 6.47
